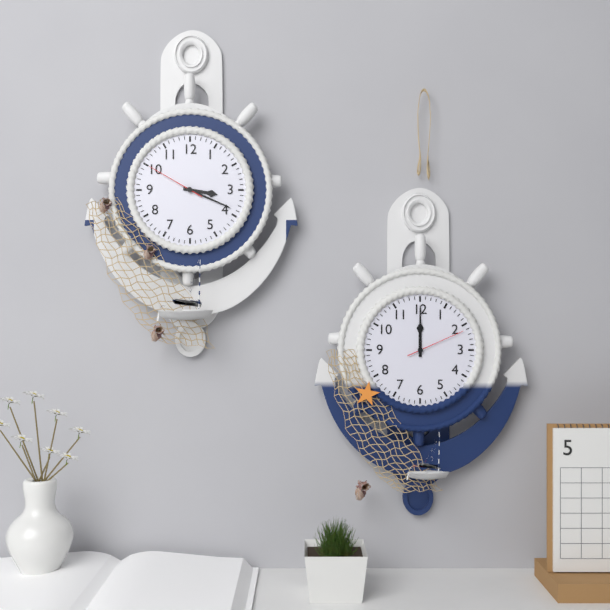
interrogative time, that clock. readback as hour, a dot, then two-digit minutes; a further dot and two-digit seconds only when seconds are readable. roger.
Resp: 3.19.50
